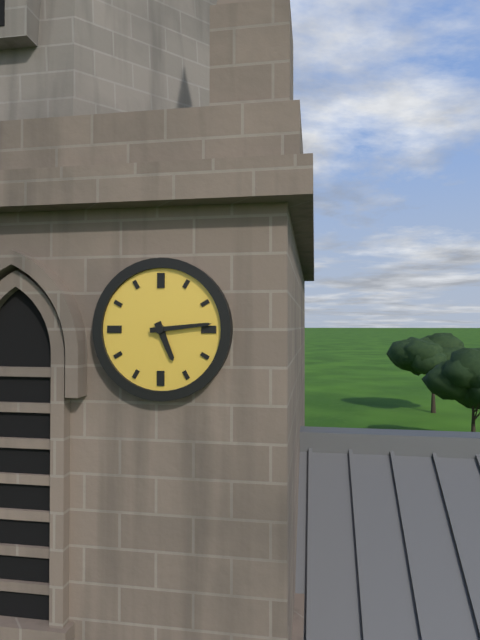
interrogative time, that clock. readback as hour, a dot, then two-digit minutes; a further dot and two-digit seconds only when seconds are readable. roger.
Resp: 5.14
